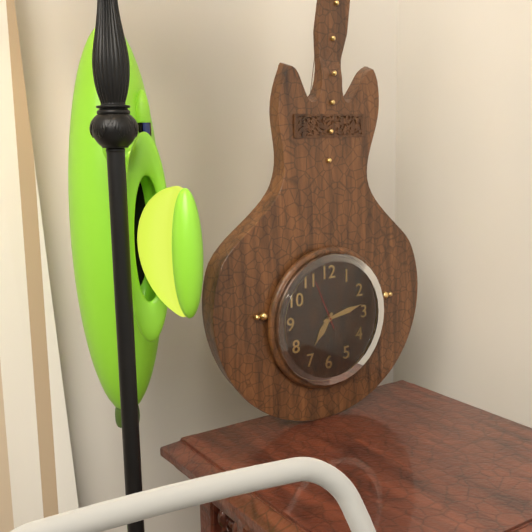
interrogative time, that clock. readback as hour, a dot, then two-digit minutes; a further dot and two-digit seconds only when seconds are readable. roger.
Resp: 7.13
